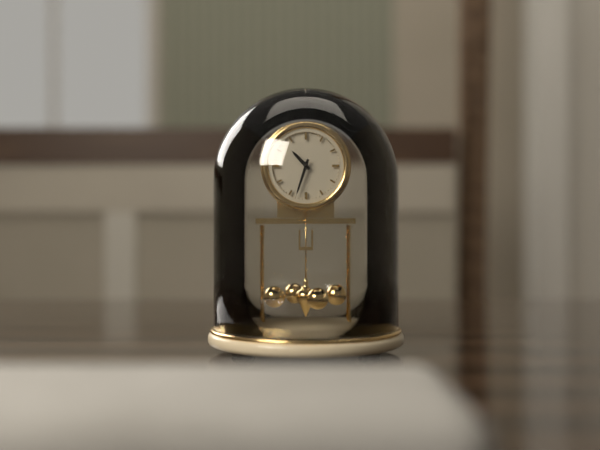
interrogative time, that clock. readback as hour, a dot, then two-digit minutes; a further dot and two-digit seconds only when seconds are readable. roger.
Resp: 10.33
